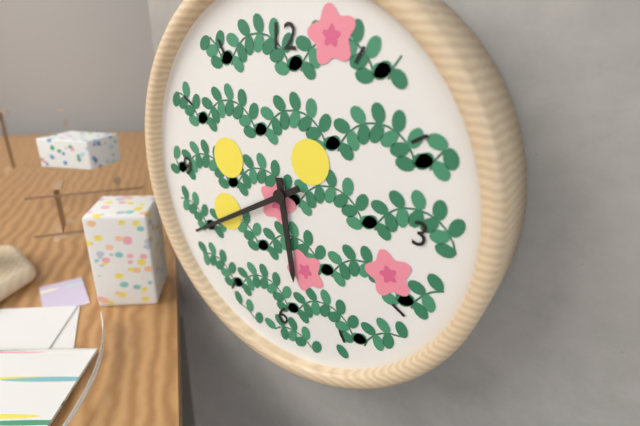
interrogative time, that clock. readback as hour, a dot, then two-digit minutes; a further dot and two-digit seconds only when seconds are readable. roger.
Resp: 5.40
